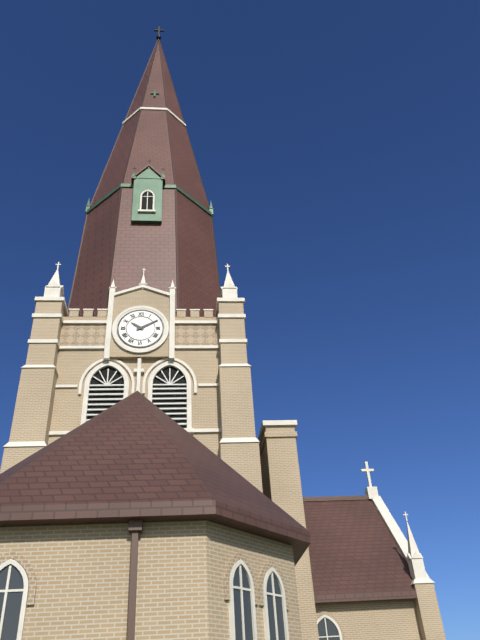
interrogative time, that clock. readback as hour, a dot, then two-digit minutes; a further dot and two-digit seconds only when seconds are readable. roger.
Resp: 10.10
